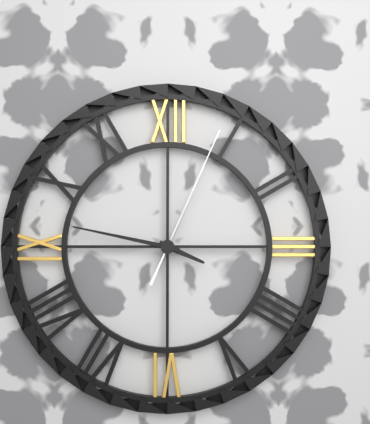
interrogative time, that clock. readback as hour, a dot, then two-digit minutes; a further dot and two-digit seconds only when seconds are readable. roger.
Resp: 3.47.04
